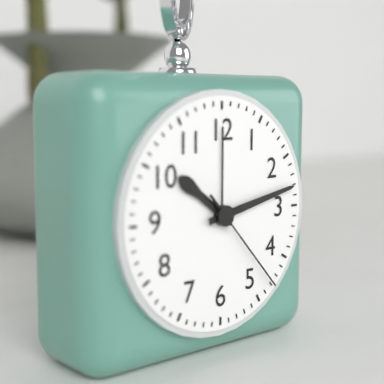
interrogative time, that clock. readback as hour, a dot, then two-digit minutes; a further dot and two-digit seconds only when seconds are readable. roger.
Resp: 10.13.23
